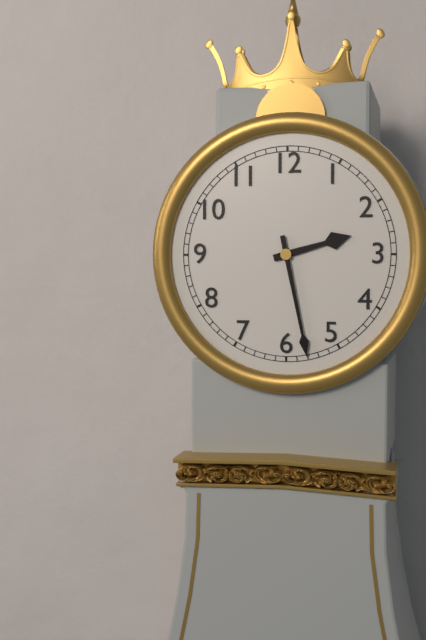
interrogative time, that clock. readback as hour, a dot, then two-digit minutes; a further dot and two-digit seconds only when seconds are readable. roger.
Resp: 2.28
